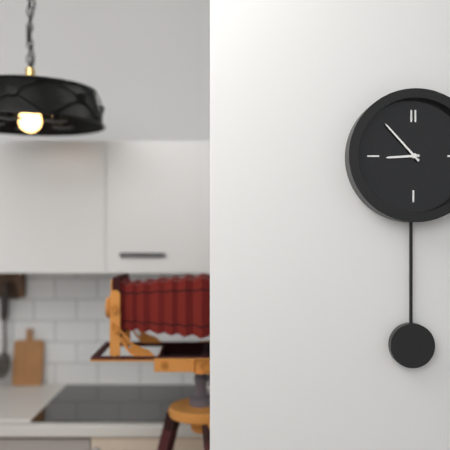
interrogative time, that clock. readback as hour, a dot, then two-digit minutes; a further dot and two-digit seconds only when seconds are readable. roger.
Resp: 8.53
